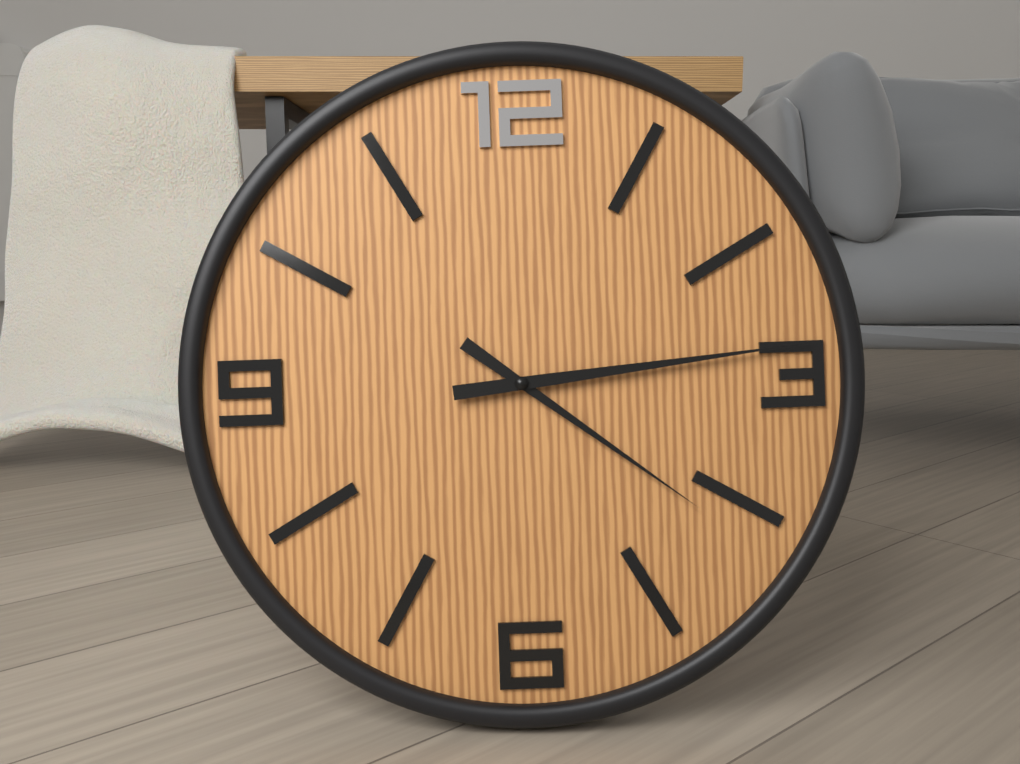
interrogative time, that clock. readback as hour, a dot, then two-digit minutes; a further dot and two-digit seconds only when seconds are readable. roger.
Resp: 4.14
